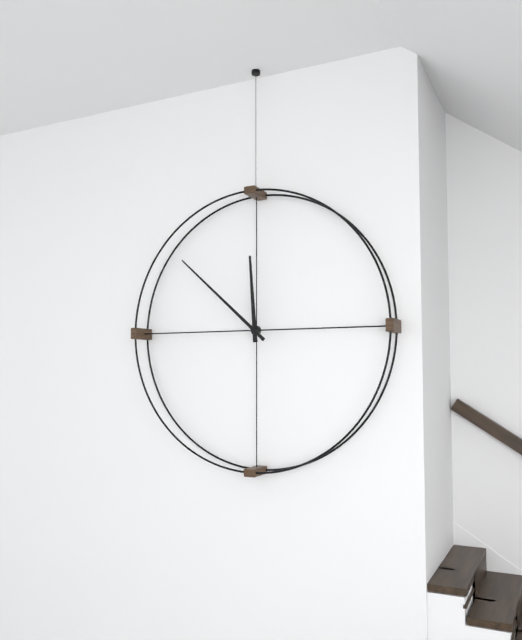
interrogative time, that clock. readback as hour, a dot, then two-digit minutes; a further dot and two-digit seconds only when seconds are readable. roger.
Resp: 11.52
